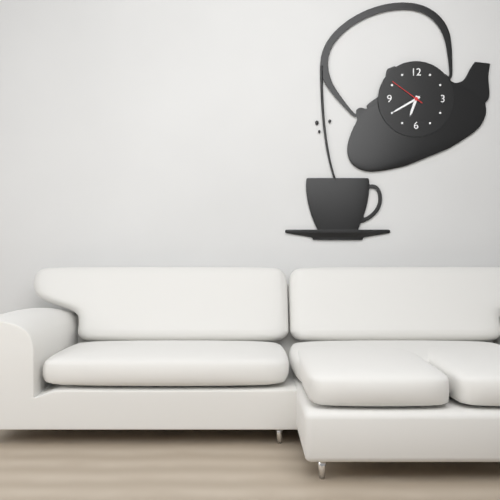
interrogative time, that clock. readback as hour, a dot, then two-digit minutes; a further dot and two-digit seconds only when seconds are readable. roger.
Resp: 6.40
